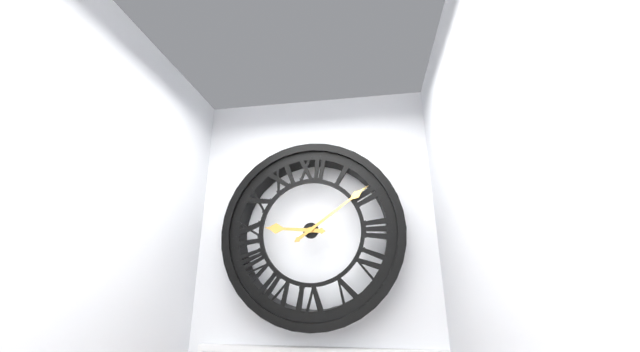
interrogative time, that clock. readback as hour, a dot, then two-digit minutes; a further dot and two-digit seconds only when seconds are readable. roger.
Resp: 9.09
